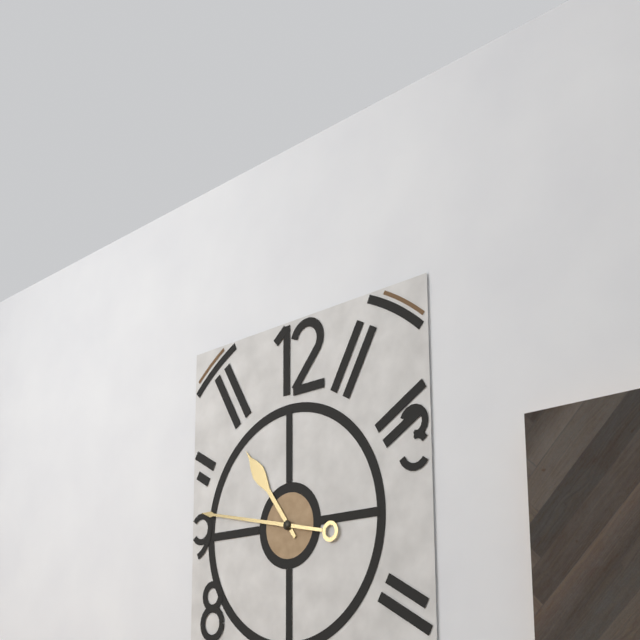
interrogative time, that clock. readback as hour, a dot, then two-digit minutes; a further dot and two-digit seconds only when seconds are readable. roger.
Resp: 10.47
